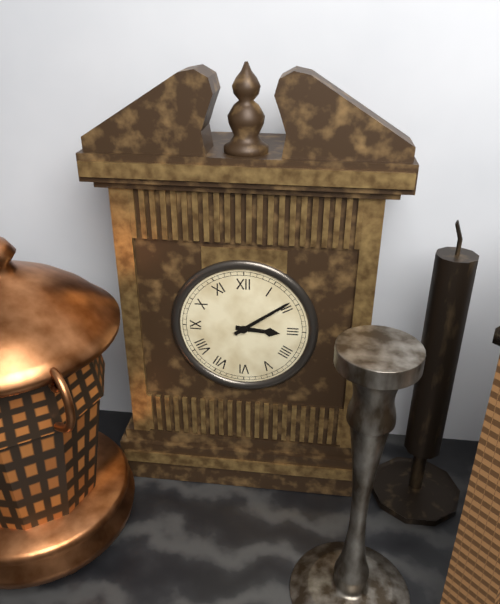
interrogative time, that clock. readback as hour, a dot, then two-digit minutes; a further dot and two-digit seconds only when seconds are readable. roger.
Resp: 3.09
